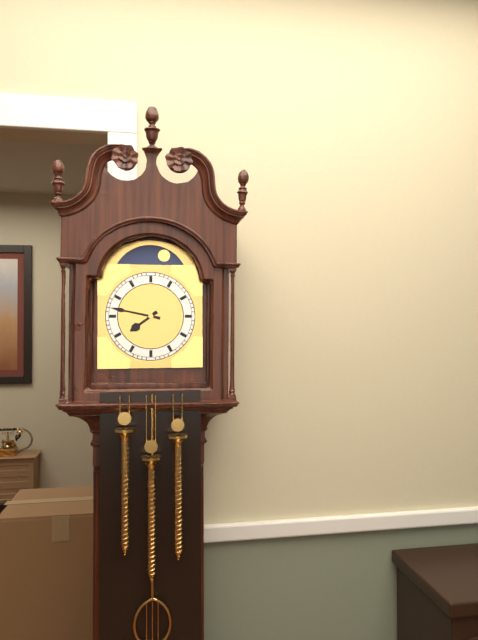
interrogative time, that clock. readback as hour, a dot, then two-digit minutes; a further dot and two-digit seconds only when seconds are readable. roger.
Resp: 7.47
